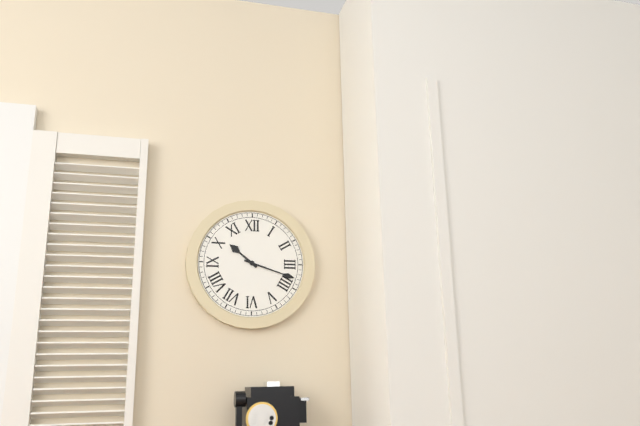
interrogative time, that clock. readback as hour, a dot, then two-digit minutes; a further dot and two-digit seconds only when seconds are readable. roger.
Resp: 10.18
